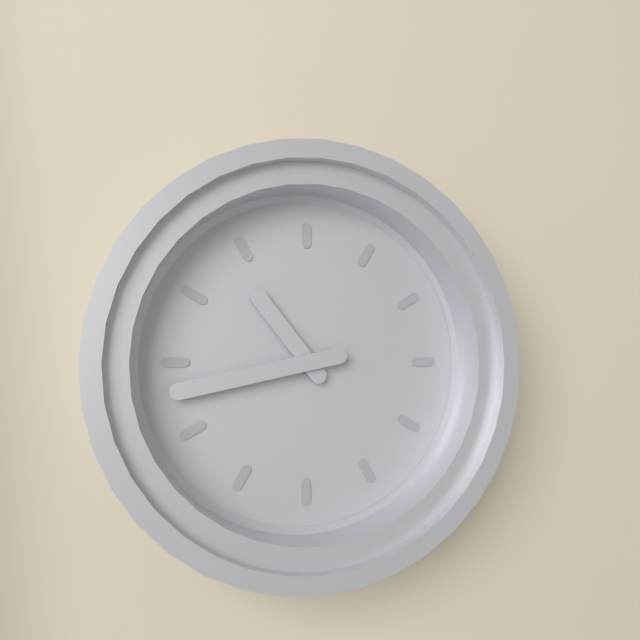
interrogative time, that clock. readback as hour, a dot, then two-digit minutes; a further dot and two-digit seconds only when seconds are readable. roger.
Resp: 10.43
